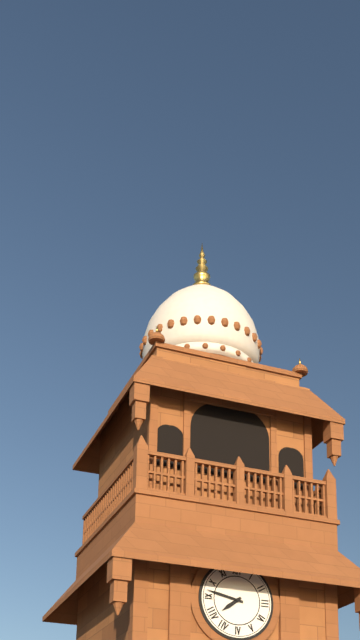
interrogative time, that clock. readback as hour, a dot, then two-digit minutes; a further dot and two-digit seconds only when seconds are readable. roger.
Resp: 7.47
